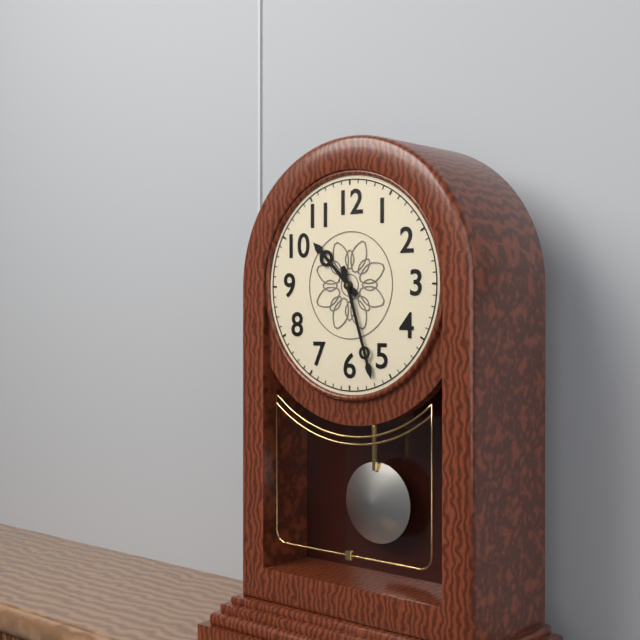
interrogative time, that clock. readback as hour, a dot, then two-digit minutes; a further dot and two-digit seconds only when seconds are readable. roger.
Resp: 10.27
